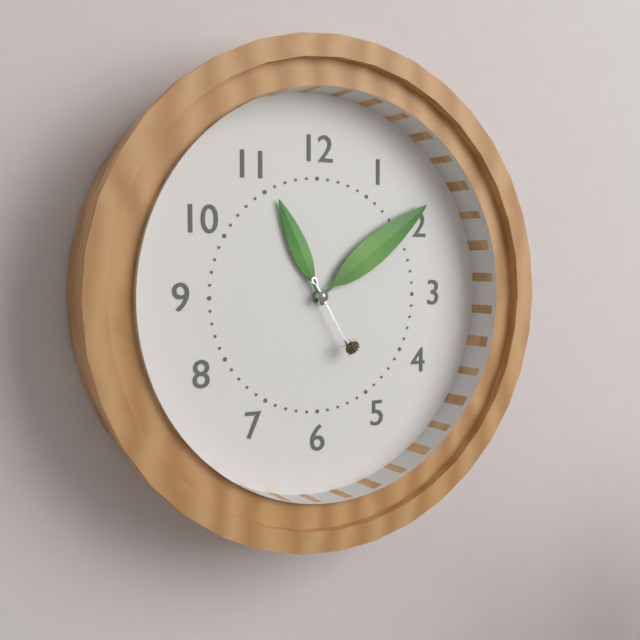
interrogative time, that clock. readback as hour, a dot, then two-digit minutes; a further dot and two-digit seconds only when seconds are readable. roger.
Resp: 11.09.25
